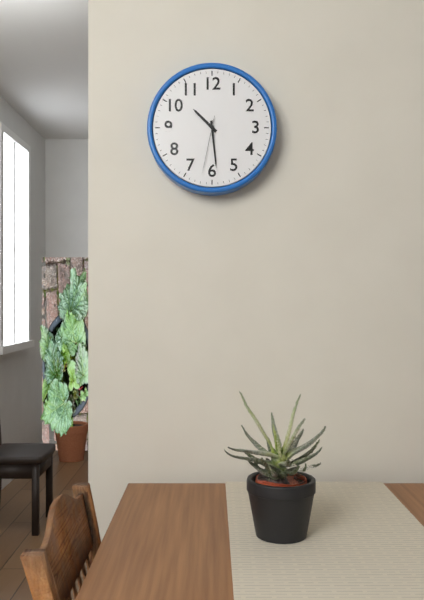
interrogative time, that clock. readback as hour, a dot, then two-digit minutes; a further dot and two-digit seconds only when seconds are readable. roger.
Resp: 10.29.32
